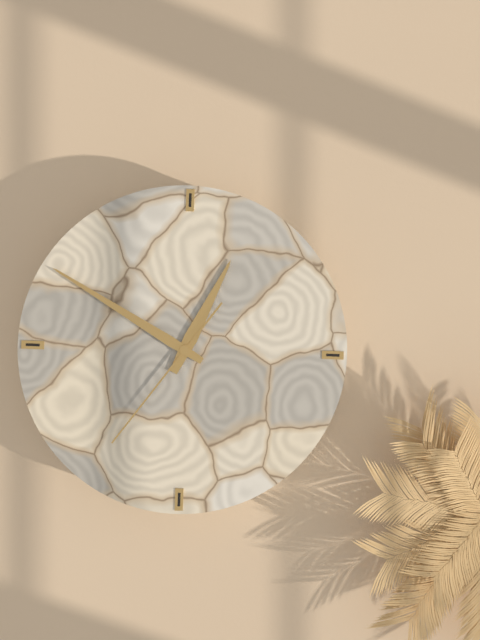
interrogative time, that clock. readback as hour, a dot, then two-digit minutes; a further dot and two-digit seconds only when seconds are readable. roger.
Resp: 12.50.36
